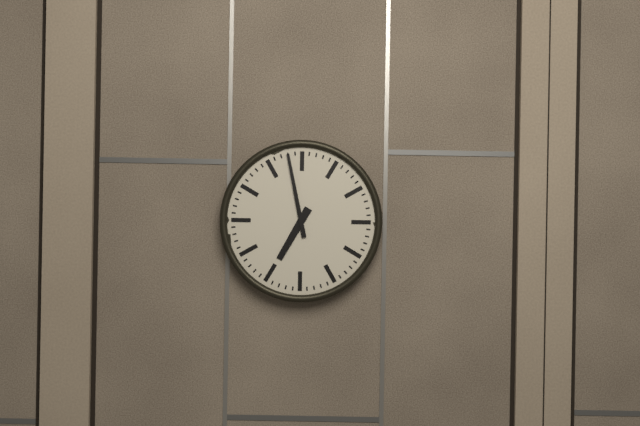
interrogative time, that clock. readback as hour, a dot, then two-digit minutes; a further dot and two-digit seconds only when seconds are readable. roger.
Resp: 6.58
